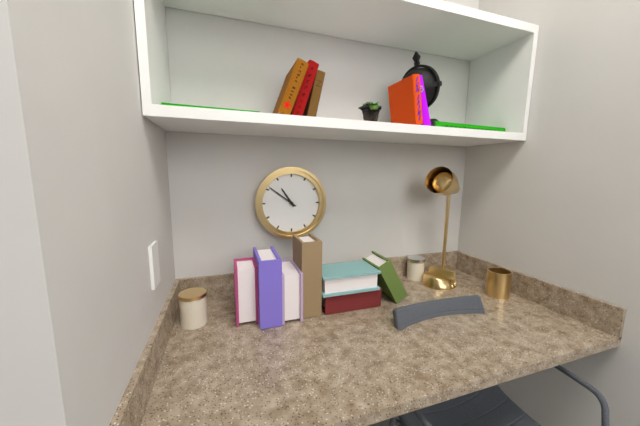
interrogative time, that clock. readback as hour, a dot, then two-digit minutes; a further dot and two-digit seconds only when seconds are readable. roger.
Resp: 10.51
